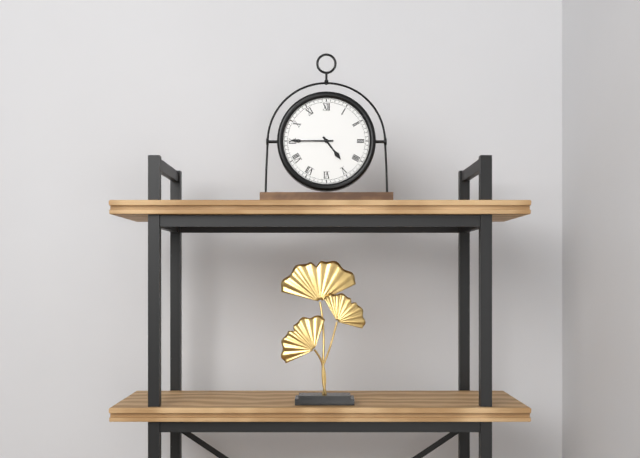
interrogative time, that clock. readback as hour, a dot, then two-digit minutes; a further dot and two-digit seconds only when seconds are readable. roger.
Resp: 4.45
